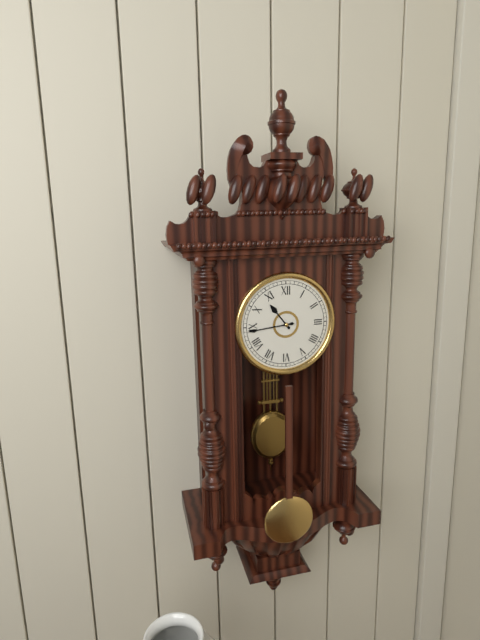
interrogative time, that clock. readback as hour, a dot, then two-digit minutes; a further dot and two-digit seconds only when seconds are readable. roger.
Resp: 10.44
